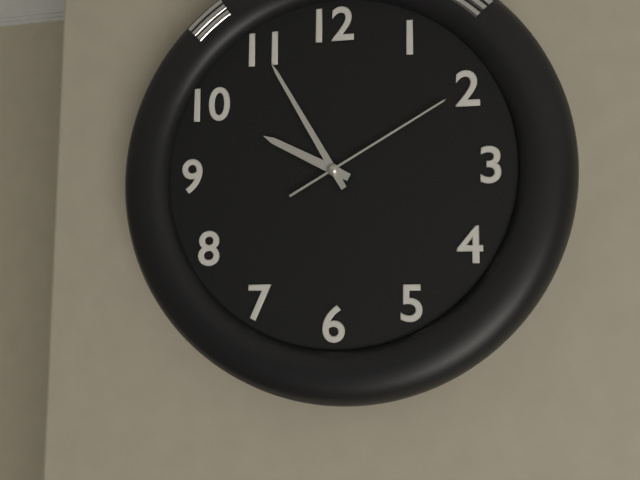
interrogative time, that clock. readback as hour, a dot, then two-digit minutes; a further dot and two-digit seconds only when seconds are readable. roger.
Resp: 9.55.10
